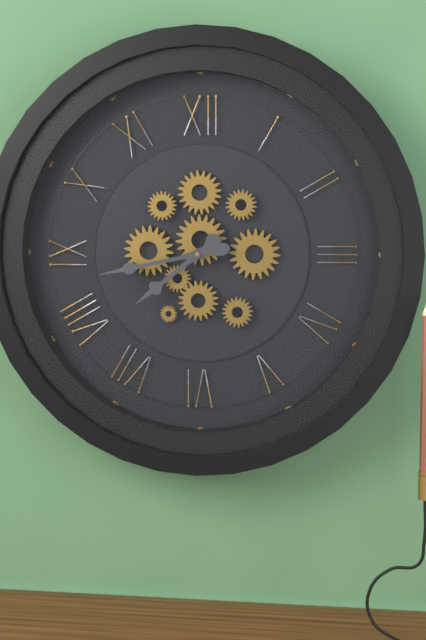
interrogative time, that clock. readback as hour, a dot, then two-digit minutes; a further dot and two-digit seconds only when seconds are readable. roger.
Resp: 7.43
